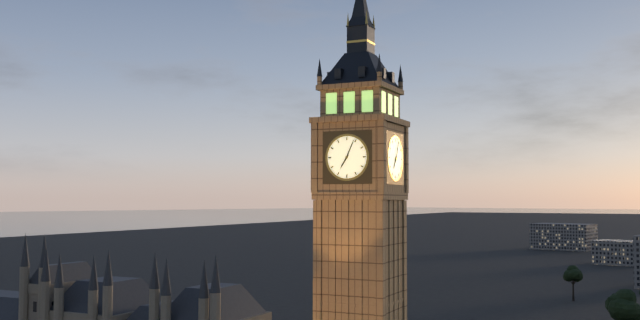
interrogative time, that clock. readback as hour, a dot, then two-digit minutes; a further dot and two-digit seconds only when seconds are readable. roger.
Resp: 7.04
